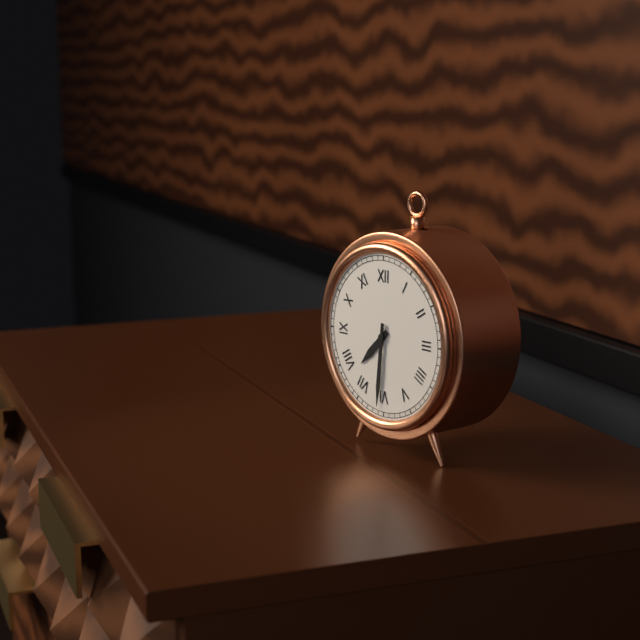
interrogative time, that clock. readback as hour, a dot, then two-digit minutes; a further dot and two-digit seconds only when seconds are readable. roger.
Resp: 7.31
